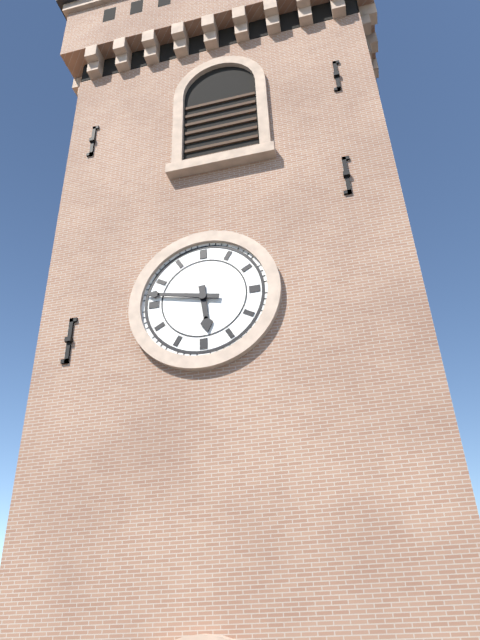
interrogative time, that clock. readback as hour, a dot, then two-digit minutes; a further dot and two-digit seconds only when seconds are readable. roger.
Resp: 5.47
